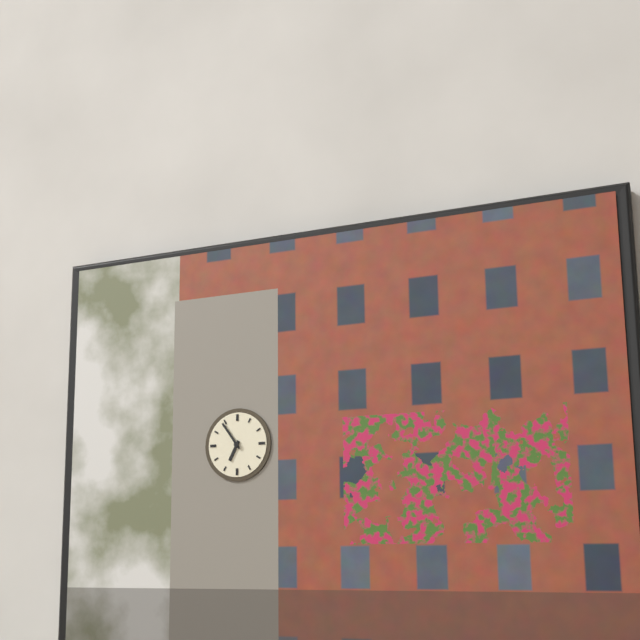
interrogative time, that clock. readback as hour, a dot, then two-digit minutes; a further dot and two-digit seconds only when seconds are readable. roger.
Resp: 6.54
